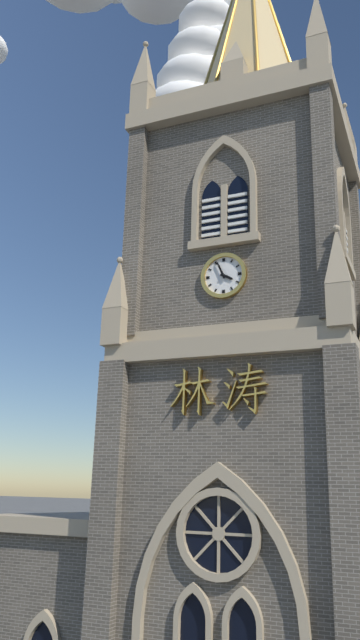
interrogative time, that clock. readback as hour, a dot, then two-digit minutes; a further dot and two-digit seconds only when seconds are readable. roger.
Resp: 3.56
